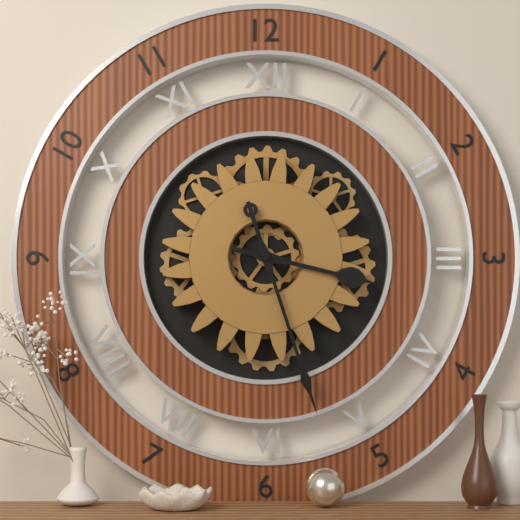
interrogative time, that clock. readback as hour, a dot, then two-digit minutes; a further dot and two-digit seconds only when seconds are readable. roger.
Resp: 3.27
